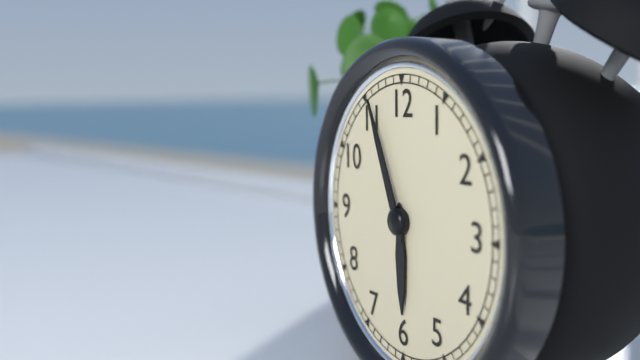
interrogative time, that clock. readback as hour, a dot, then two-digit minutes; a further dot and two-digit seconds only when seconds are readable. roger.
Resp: 5.56
